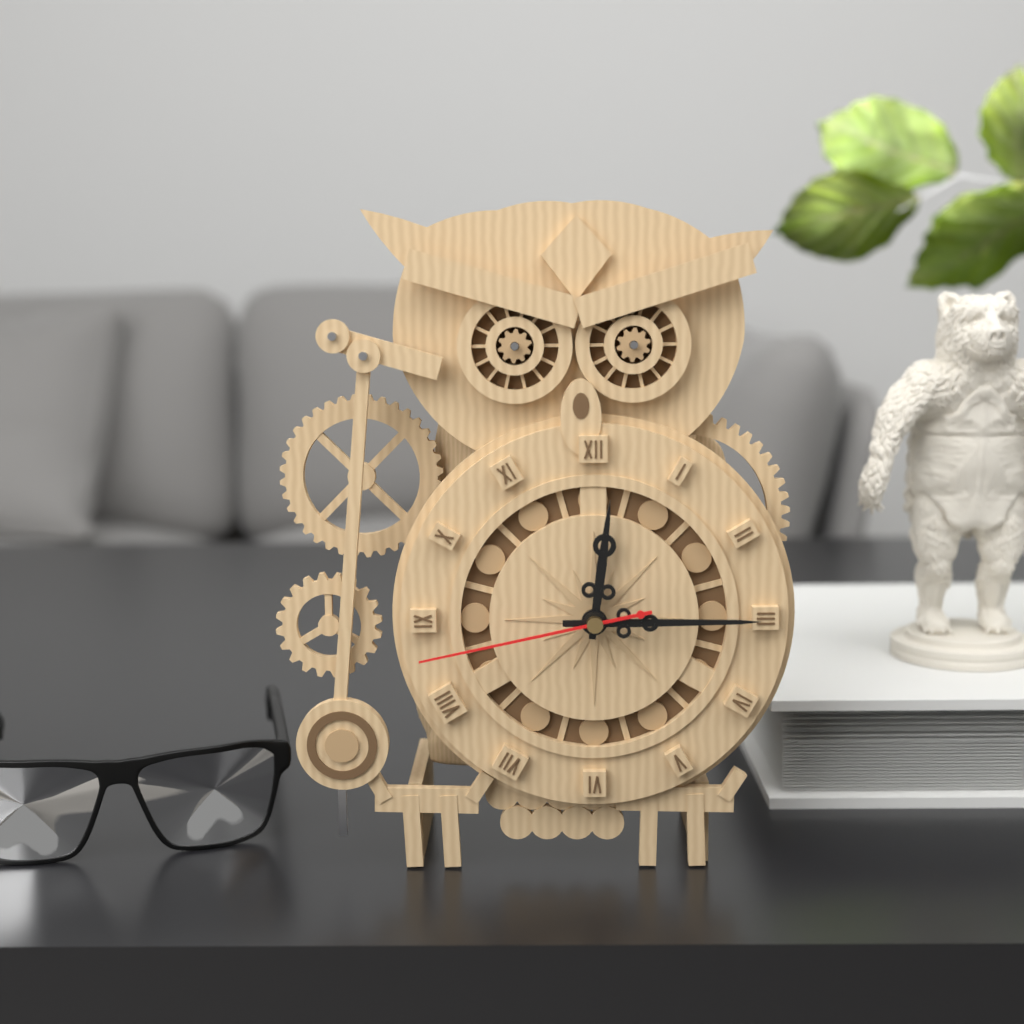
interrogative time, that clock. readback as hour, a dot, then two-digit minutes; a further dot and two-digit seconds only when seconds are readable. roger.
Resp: 12.15.43
